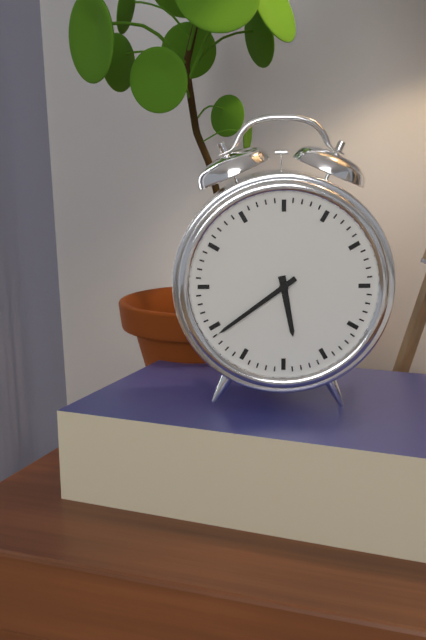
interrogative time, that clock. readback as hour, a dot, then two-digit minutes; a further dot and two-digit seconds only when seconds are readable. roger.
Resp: 5.39
